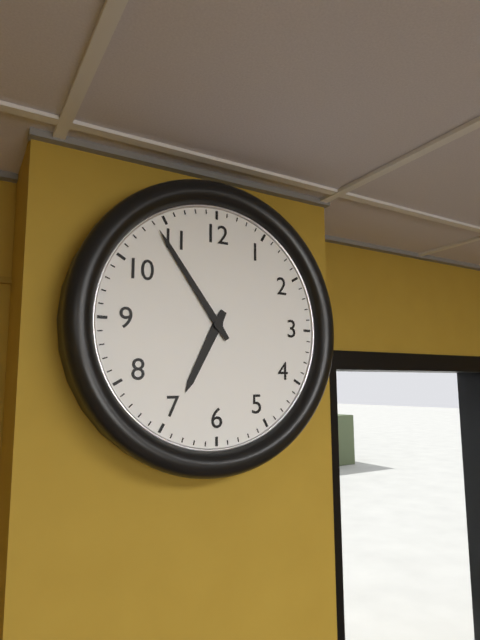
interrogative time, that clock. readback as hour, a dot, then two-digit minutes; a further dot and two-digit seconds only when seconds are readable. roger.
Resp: 6.54
